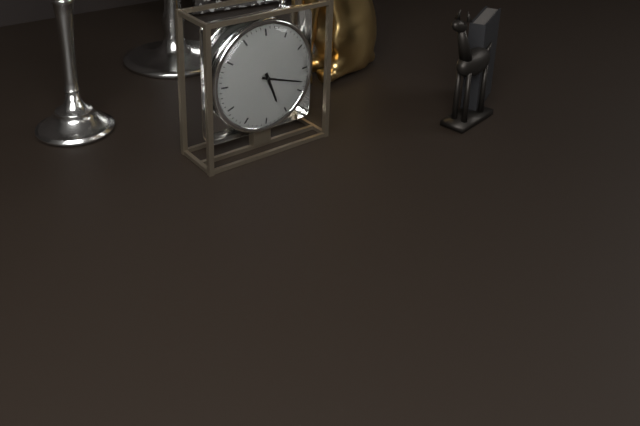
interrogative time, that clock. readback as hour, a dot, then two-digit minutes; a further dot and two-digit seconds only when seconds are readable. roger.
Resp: 5.18
